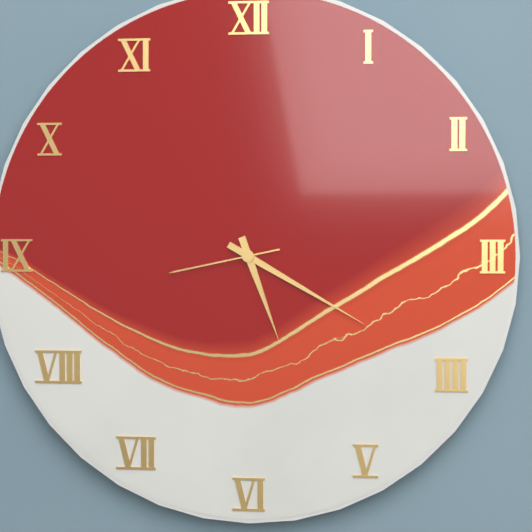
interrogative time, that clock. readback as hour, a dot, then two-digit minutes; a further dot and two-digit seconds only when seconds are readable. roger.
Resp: 5.20.43
